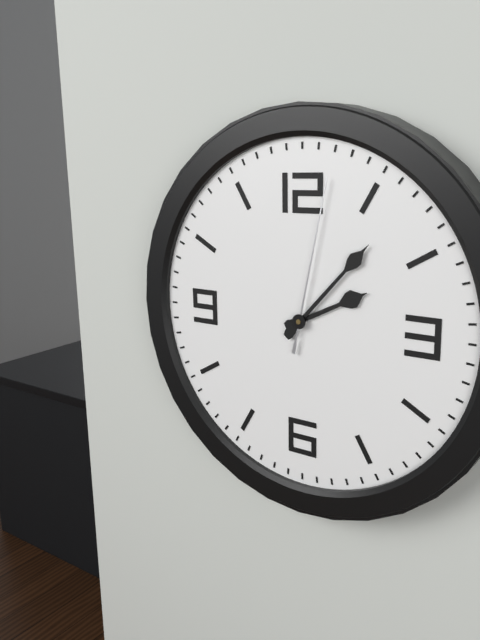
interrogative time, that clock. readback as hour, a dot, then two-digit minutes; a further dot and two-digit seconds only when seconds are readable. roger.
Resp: 2.07.02
